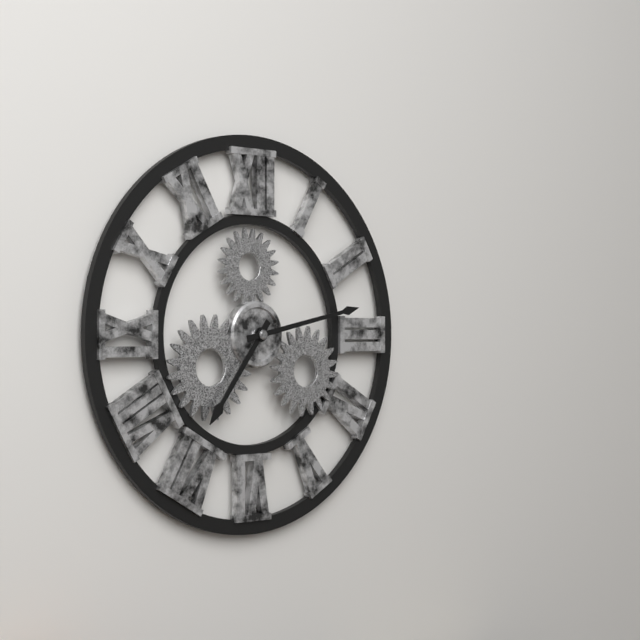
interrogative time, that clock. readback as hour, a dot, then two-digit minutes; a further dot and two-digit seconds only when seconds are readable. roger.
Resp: 7.13
